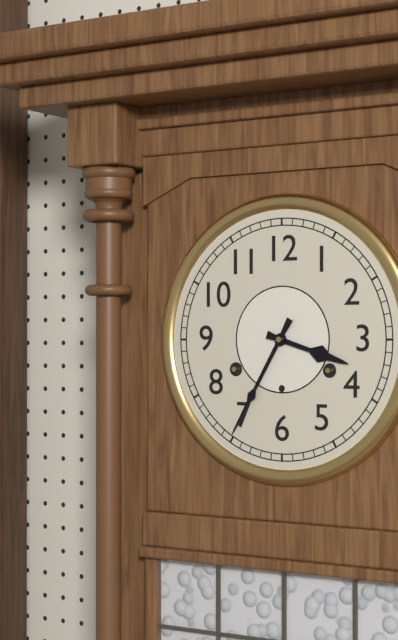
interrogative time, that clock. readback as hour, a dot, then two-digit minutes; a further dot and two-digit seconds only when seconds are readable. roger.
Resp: 3.35
